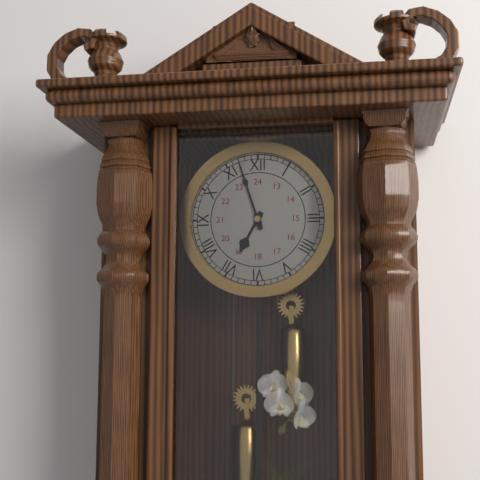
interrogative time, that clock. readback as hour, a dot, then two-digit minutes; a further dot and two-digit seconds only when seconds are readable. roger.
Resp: 6.57
